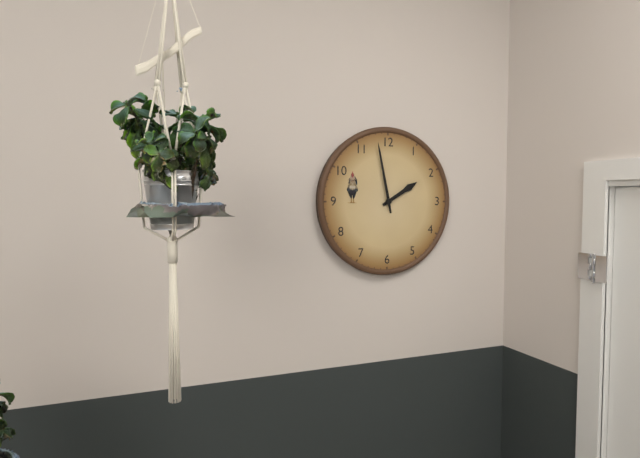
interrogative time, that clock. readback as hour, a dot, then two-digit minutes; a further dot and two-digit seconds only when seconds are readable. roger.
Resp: 1.58
